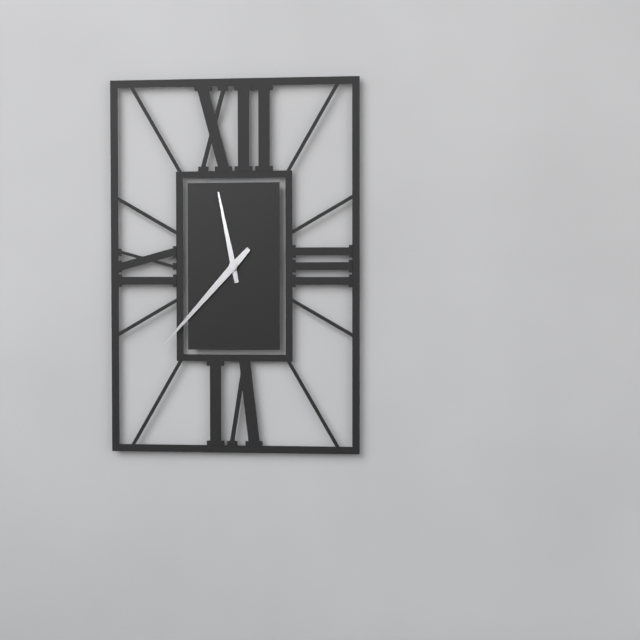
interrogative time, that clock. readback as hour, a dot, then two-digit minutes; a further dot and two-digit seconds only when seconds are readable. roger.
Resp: 11.37
